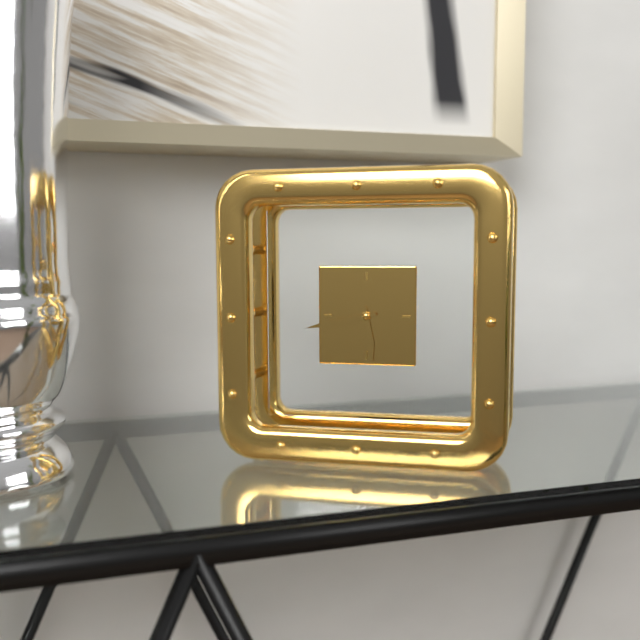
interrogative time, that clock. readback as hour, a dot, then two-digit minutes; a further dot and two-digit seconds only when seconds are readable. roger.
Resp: 5.43
